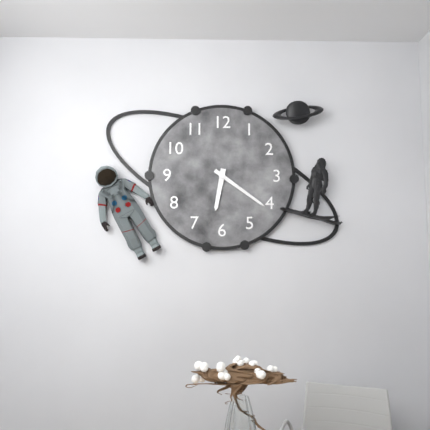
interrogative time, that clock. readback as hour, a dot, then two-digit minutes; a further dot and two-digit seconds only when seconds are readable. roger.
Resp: 6.21
